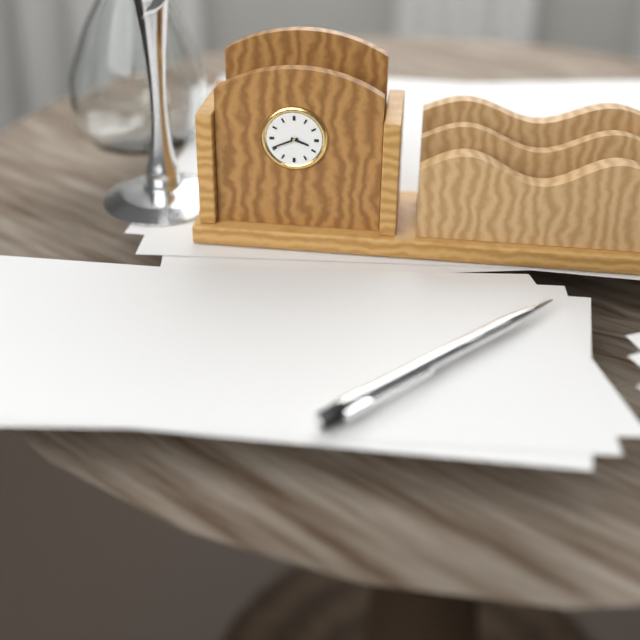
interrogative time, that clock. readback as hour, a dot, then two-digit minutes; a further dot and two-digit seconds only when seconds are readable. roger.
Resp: 3.41
